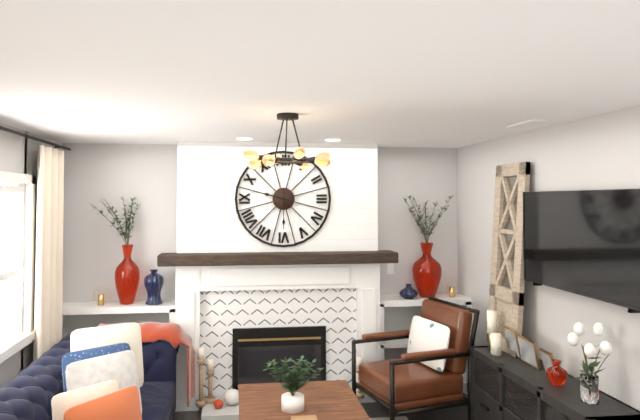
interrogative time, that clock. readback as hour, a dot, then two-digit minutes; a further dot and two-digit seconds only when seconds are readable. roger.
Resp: 9.30
